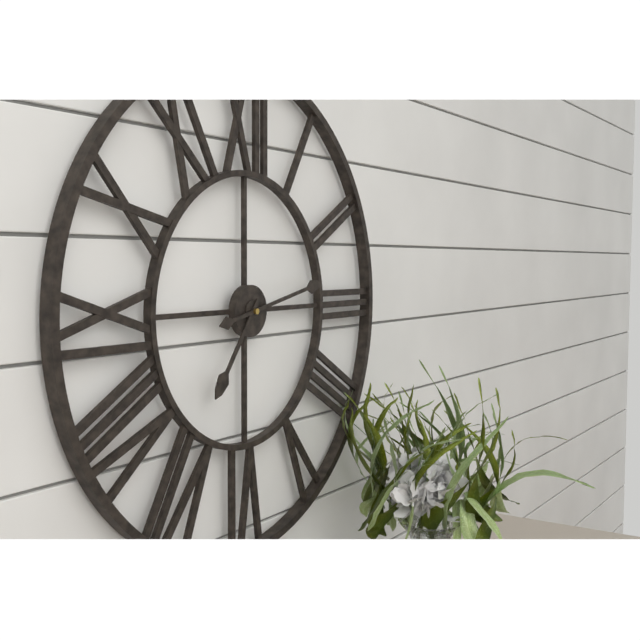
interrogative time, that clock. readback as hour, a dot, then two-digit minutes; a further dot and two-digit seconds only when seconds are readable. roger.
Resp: 7.13
